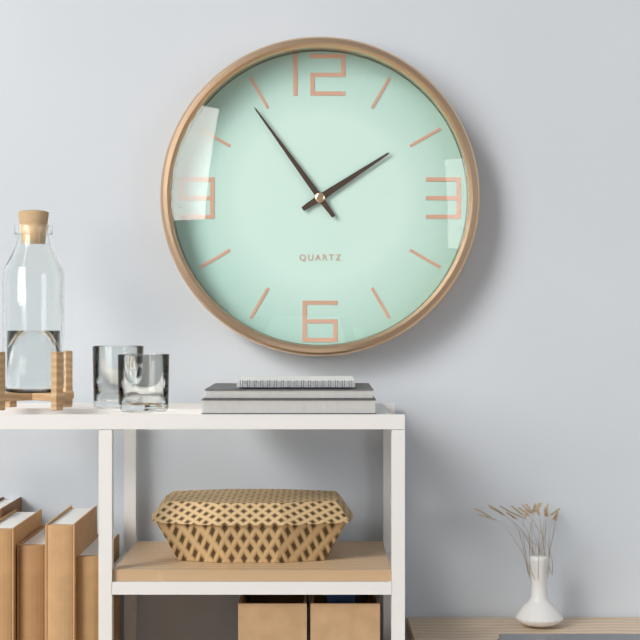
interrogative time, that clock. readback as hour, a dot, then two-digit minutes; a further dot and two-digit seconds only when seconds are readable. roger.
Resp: 1.54
